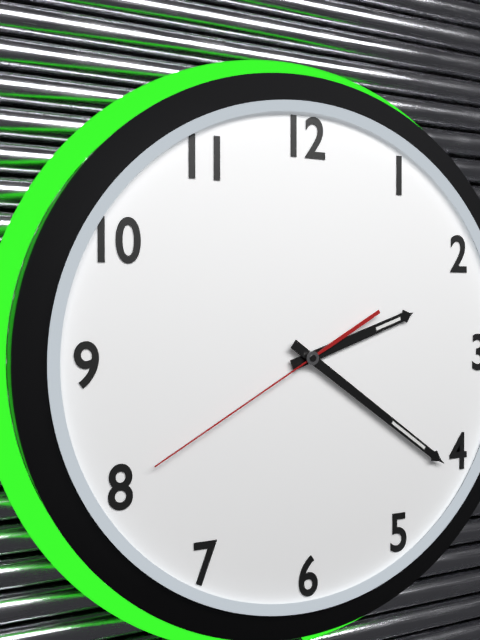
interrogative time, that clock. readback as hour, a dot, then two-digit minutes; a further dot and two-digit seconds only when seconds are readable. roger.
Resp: 2.21.40
